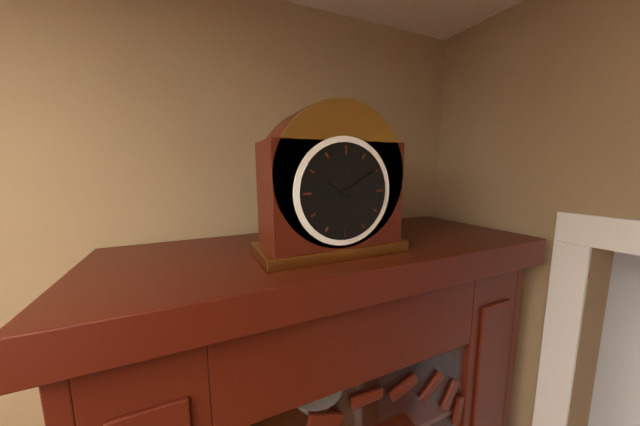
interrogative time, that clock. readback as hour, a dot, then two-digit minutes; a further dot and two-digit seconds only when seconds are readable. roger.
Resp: 10.10
